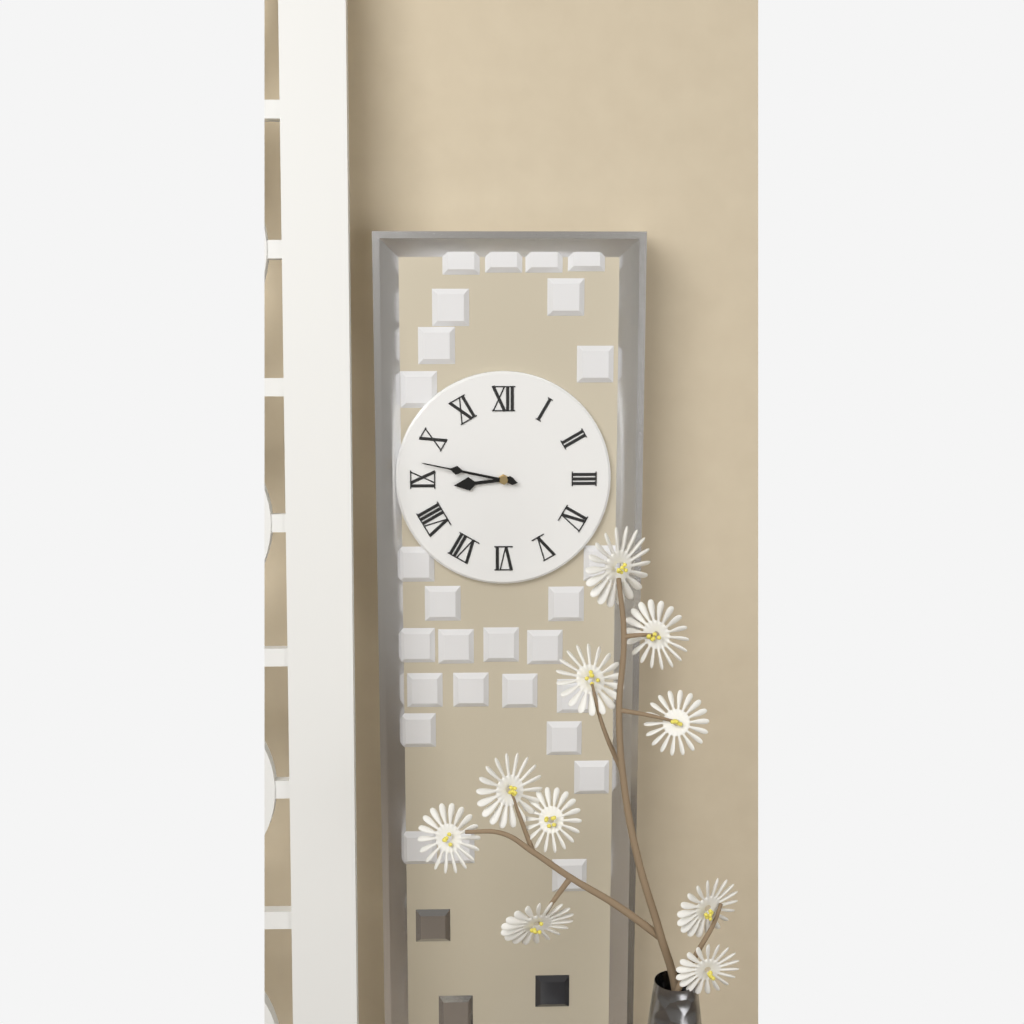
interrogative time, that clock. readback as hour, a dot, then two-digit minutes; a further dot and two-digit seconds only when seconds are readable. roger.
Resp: 8.47
